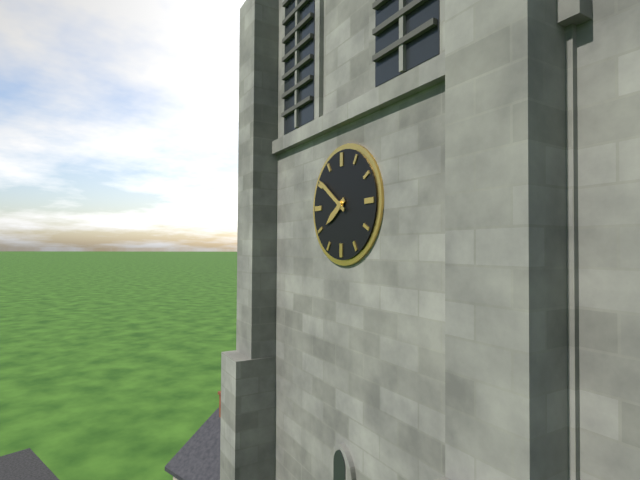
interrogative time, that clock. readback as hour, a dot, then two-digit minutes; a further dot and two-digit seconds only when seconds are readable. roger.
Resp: 7.51
